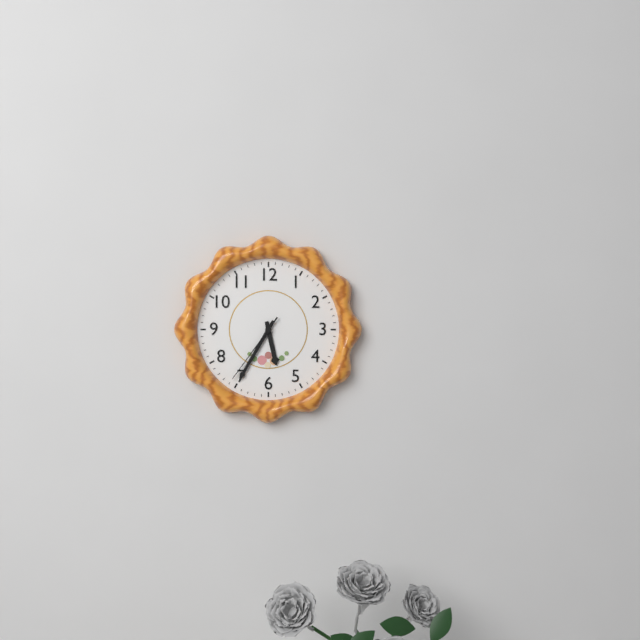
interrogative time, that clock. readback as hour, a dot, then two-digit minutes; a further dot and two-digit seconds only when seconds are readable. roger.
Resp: 5.35.36
